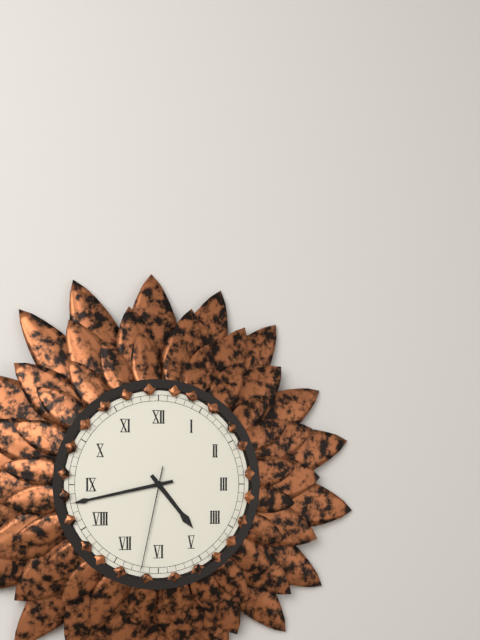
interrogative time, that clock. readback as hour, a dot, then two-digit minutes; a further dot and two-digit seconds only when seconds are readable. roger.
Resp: 4.43.32
